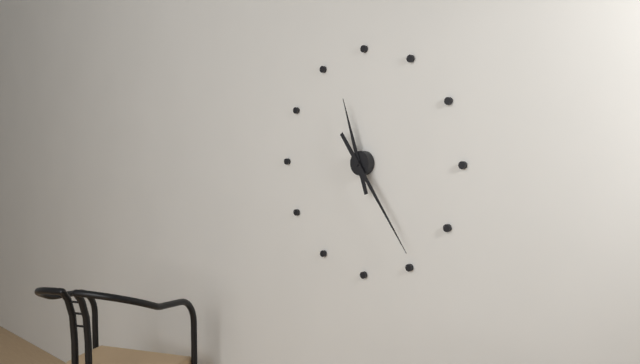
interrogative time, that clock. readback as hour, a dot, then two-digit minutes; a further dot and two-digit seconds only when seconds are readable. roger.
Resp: 11.24
